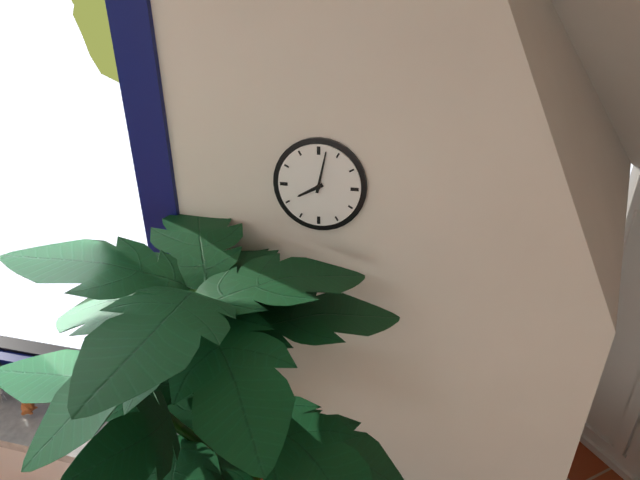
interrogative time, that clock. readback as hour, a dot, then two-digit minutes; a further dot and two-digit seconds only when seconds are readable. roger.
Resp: 8.02
